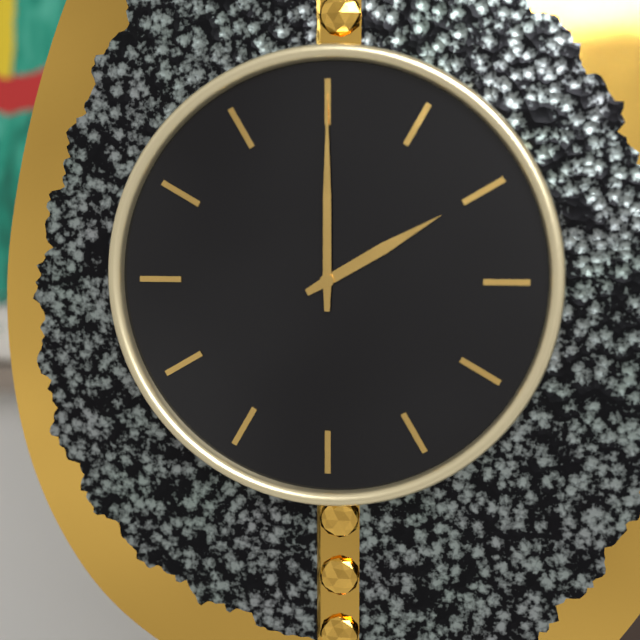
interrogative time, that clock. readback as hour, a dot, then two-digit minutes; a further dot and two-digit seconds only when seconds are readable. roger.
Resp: 2.00
